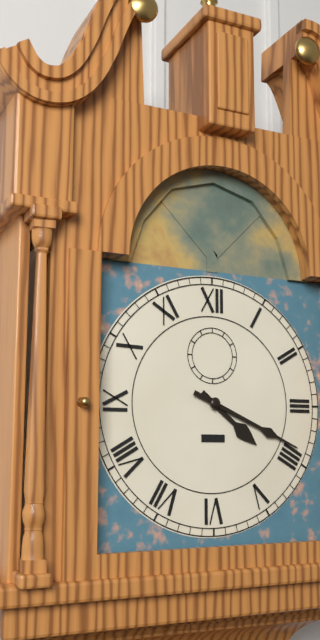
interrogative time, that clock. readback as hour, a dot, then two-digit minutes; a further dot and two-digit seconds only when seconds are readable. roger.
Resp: 4.19
